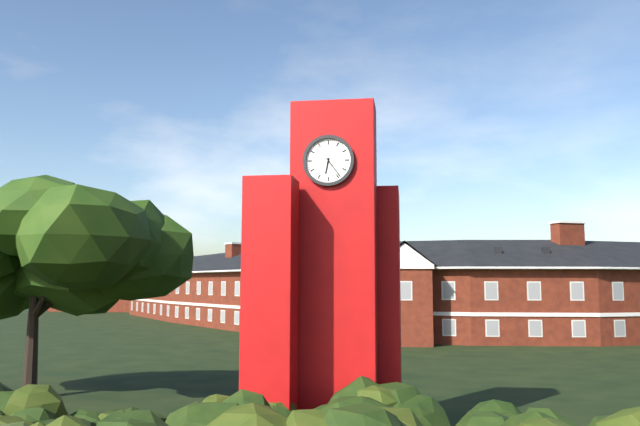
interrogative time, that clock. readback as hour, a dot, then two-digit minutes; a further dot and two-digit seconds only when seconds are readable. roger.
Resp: 6.24
